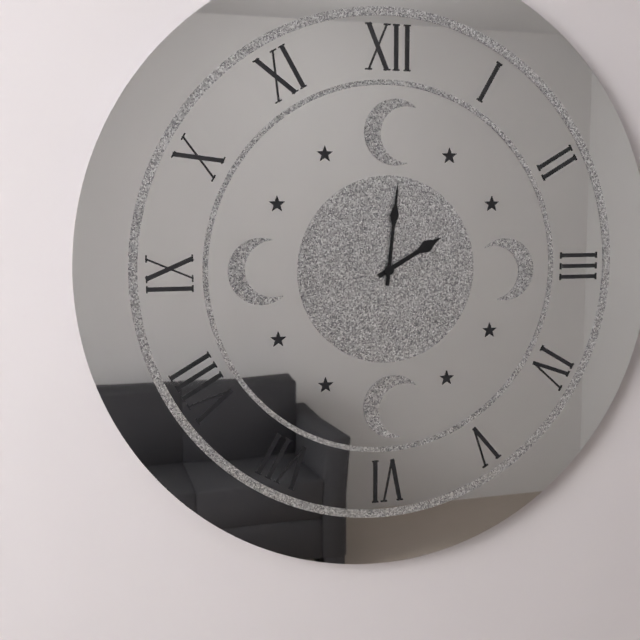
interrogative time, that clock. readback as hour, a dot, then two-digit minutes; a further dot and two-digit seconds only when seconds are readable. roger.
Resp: 2.01
